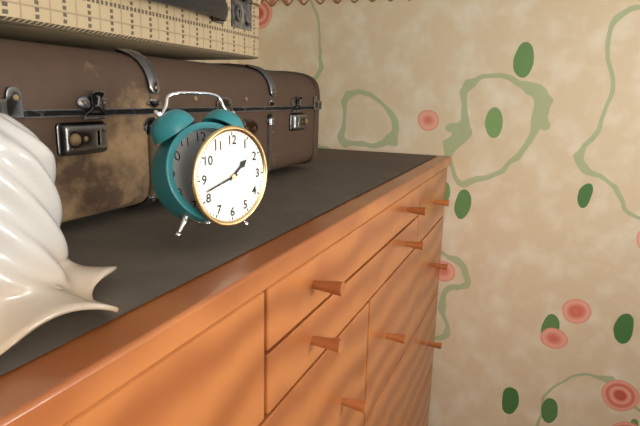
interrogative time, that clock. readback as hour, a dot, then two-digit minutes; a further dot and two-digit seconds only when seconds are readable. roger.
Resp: 1.42
